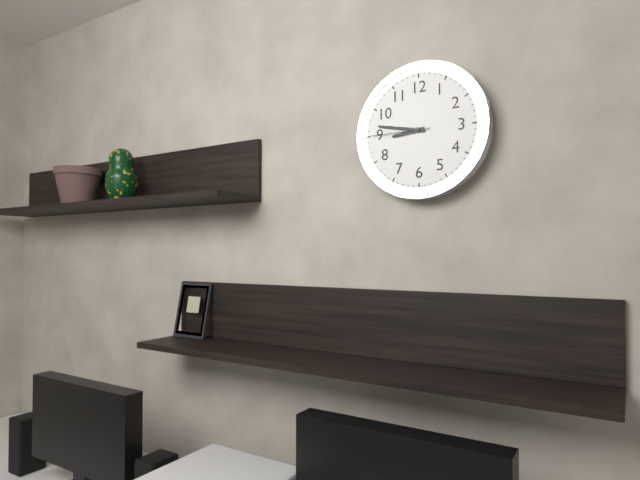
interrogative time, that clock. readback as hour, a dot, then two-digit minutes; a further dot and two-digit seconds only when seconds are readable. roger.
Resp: 8.47.45
